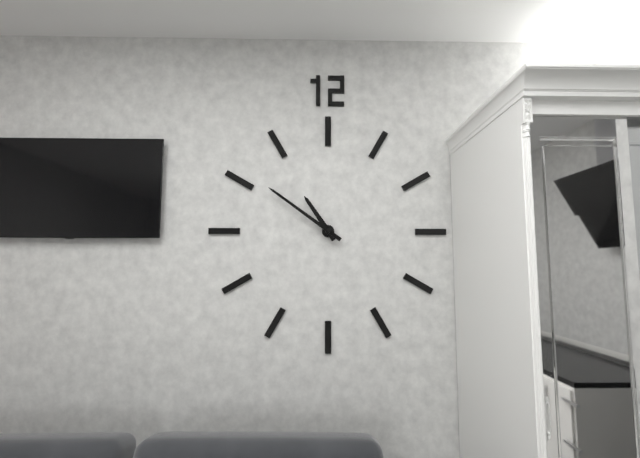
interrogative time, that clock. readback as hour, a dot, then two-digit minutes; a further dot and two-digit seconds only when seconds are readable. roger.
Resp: 10.51
